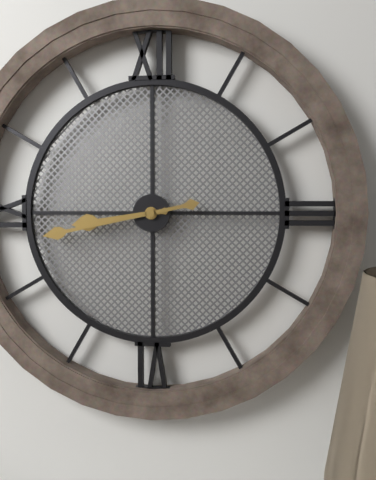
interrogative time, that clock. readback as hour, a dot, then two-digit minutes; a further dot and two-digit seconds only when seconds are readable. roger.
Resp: 8.43
